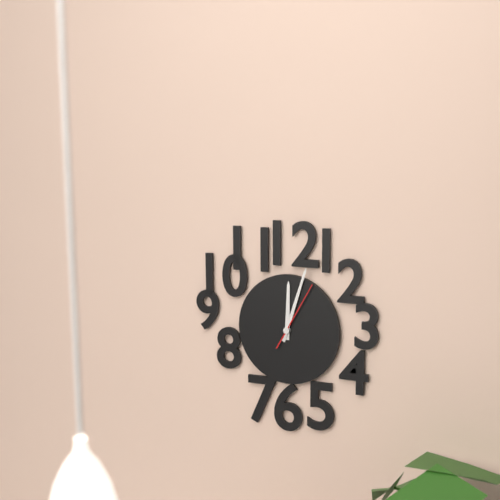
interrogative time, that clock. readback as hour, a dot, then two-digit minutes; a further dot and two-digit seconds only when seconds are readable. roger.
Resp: 12.03.05
